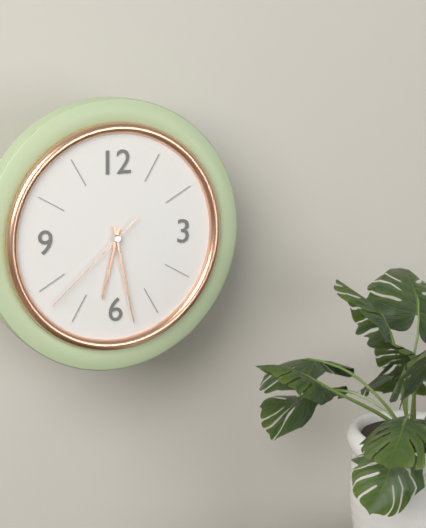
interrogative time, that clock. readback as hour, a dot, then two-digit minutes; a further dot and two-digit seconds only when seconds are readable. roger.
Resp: 6.28.38
